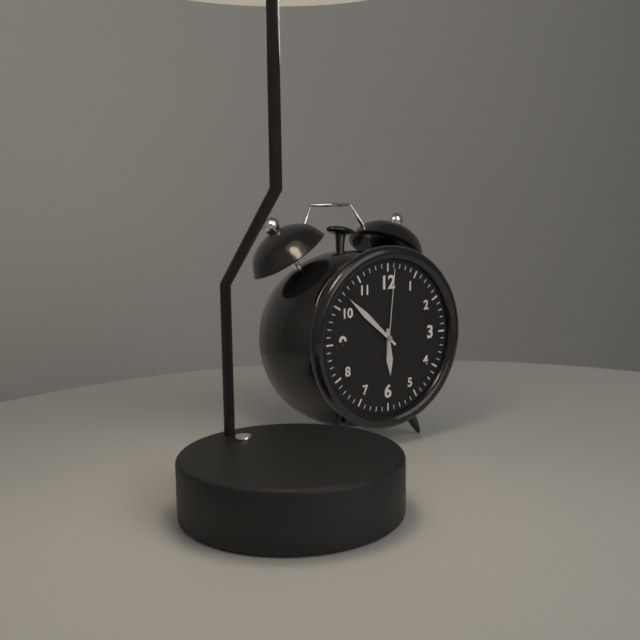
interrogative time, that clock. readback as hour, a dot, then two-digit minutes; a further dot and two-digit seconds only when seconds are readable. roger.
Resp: 5.52.01
